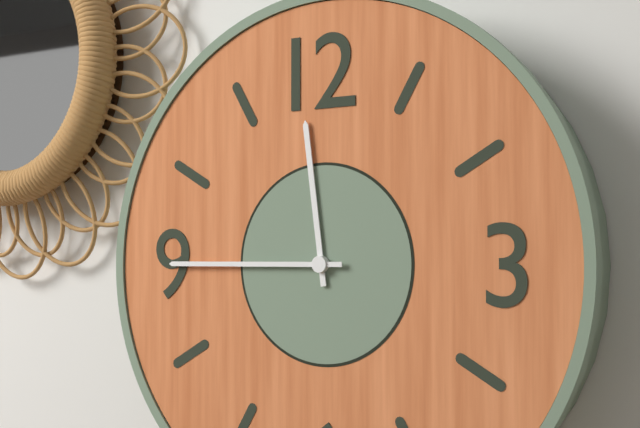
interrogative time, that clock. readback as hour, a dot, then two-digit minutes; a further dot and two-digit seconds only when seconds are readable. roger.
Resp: 11.45
